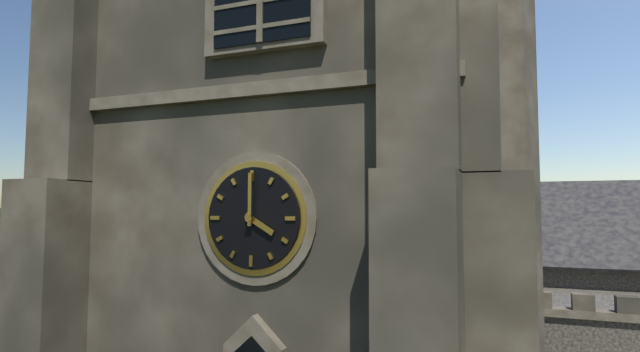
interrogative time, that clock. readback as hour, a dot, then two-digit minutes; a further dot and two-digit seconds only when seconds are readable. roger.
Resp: 4.00
